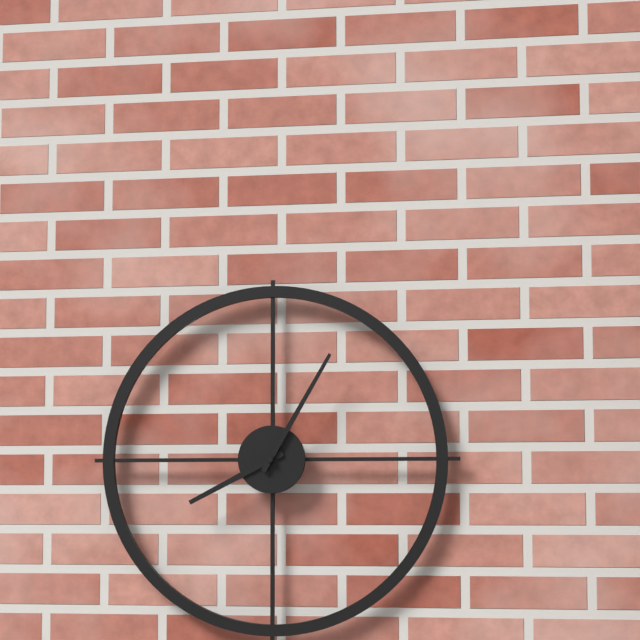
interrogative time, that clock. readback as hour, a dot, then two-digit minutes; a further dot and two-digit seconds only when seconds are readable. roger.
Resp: 8.05
